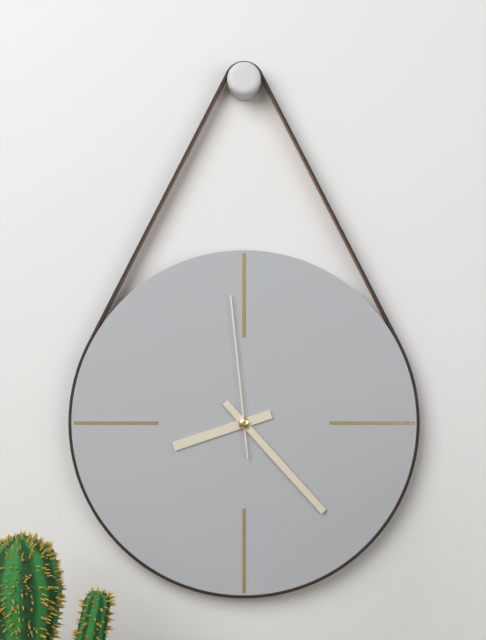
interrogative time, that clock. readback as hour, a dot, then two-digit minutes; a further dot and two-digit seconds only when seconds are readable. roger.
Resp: 8.23.59
